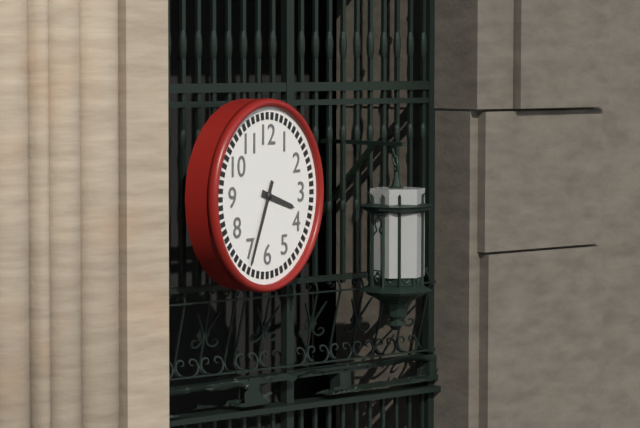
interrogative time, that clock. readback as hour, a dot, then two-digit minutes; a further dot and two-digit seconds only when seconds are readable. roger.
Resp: 3.34
